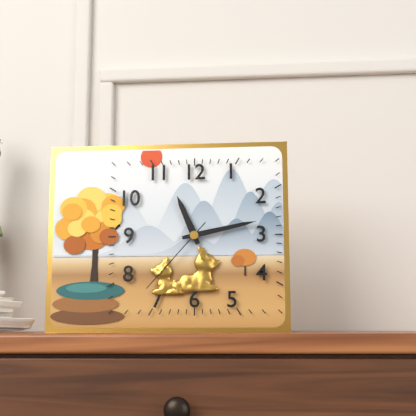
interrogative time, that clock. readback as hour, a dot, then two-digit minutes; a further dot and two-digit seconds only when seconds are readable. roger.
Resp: 11.13.37
